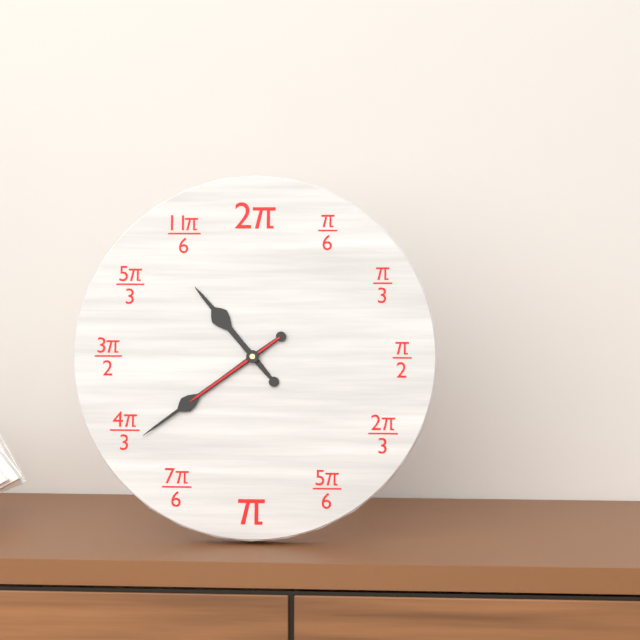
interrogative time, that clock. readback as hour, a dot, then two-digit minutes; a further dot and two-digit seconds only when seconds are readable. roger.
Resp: 10.39.39
